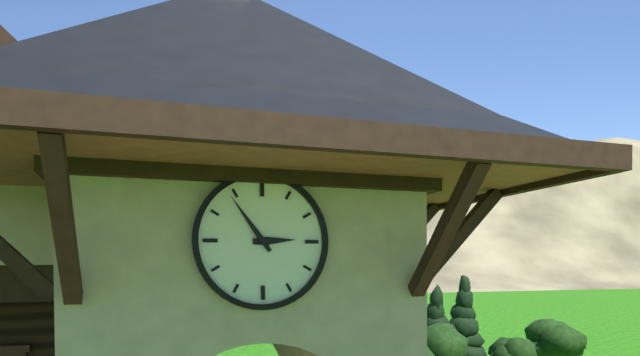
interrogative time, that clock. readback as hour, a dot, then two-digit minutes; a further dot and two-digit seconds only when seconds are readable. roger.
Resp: 2.54
